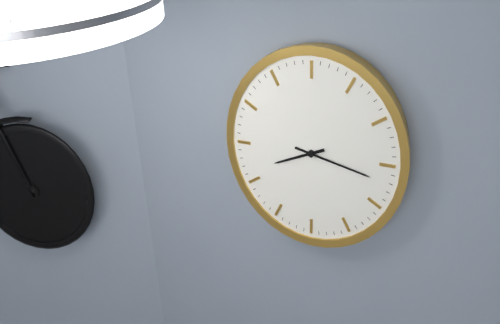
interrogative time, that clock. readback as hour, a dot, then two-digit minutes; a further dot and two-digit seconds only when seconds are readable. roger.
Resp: 8.17
